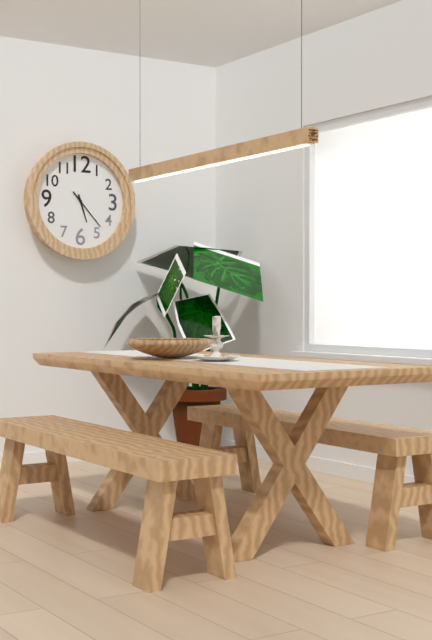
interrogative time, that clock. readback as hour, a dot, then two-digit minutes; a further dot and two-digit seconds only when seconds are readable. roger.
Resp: 5.23
